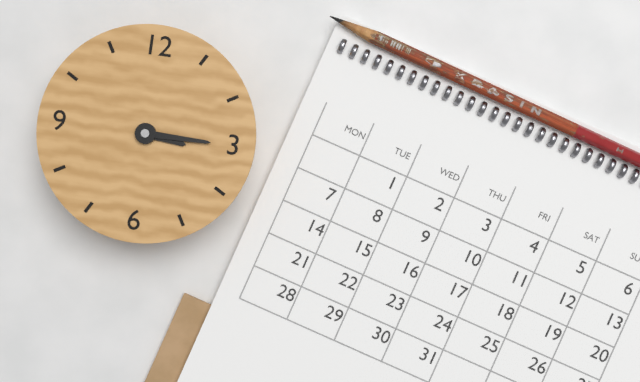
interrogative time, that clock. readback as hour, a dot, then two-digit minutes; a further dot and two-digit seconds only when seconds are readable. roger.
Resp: 3.15
